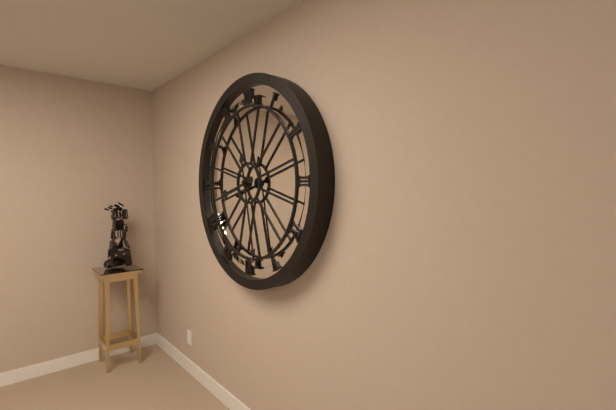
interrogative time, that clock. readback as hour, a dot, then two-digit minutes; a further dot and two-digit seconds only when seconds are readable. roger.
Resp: 8.28
